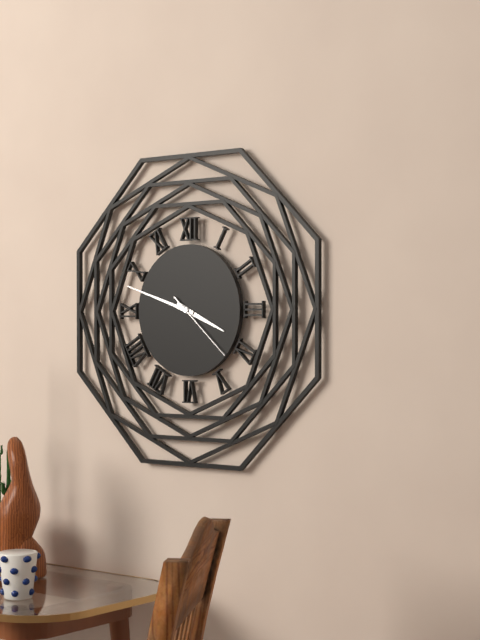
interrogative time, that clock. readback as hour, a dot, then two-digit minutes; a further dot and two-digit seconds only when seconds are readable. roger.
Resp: 3.48.22
